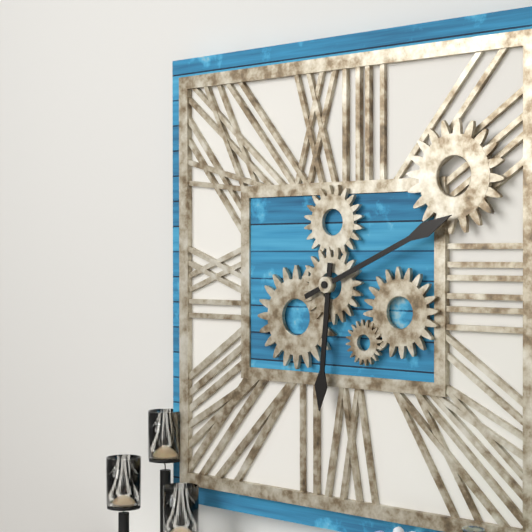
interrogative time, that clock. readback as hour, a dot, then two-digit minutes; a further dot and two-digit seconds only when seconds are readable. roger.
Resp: 6.11
